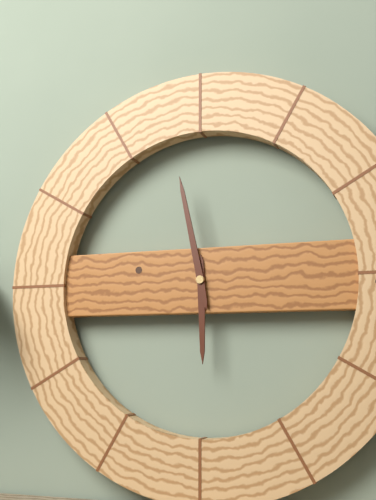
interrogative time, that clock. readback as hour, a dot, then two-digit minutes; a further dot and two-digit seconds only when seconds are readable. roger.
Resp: 5.58
